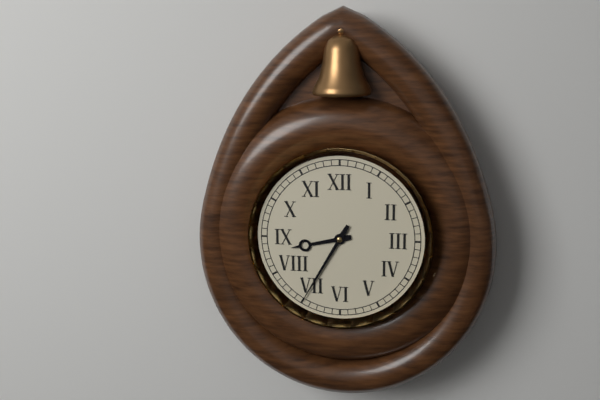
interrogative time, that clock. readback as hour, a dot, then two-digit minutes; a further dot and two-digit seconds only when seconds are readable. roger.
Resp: 8.35
